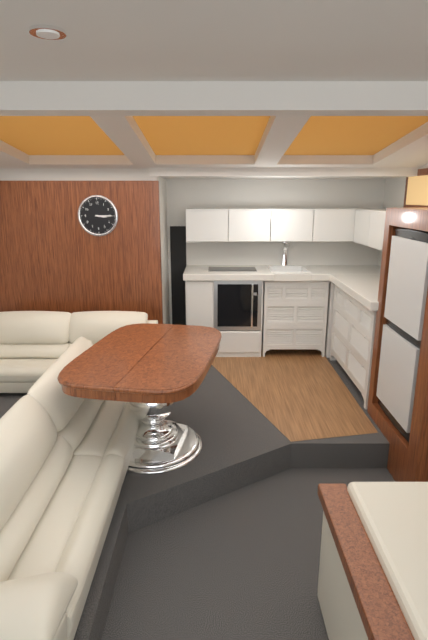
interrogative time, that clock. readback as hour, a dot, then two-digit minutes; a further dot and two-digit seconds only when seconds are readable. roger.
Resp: 3.15
